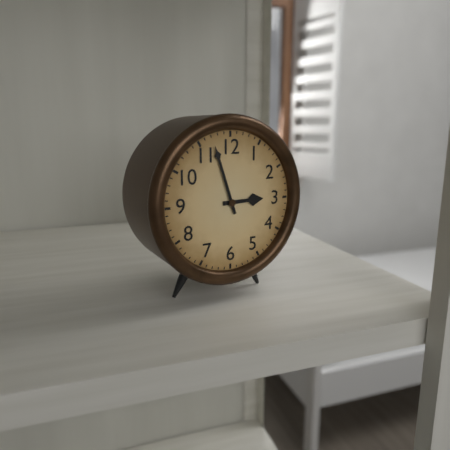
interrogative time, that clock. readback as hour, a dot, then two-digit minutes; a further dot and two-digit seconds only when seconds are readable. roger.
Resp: 2.57
